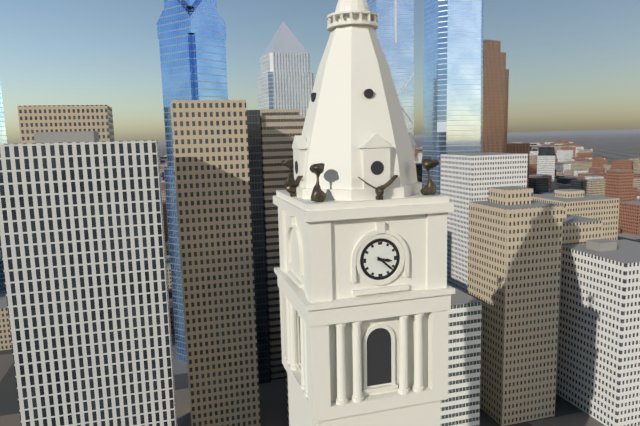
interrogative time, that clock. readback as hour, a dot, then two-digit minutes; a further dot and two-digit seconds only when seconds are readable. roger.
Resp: 3.22
